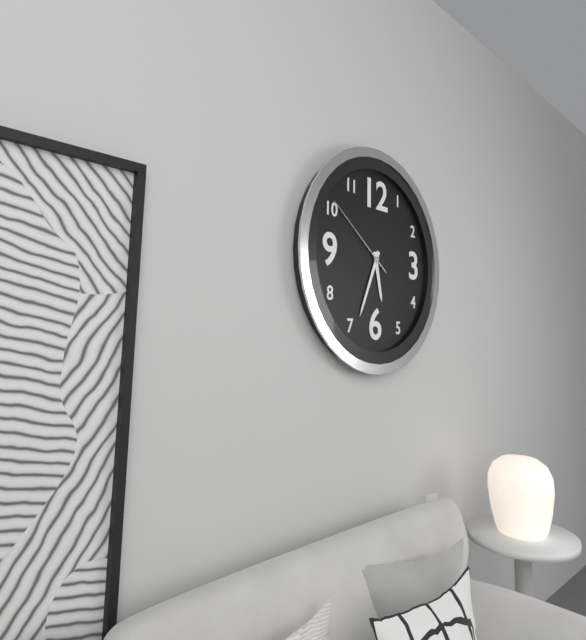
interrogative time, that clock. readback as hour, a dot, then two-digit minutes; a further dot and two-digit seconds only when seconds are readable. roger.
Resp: 5.34.51
